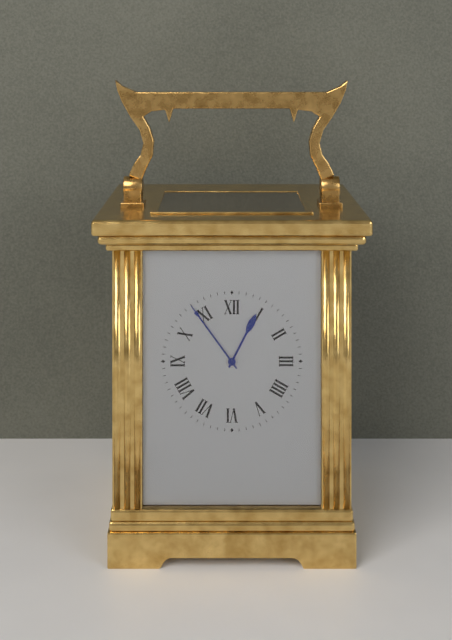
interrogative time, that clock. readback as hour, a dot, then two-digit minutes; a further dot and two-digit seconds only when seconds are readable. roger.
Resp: 12.54
